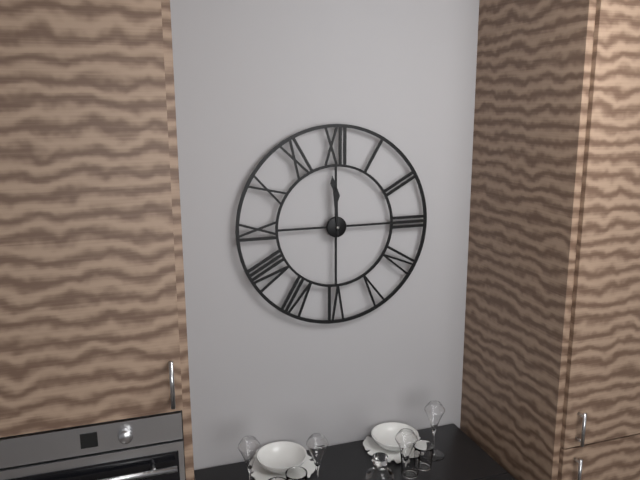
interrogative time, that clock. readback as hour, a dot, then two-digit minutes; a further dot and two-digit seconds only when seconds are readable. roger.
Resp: 11.59
